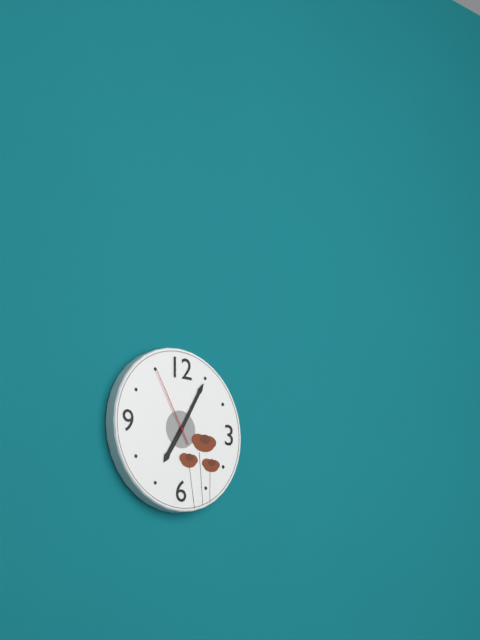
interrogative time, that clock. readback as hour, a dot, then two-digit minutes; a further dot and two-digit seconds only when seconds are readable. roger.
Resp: 7.05.55
